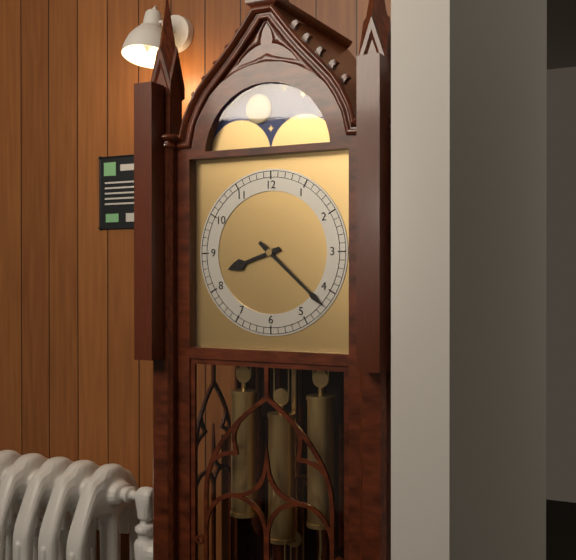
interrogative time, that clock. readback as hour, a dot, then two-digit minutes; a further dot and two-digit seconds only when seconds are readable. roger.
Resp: 8.22
